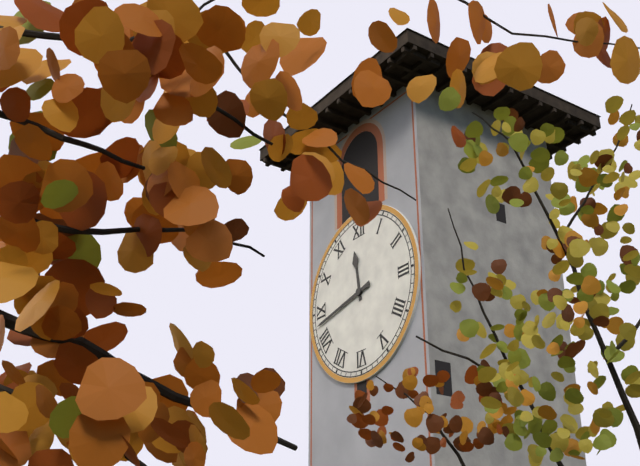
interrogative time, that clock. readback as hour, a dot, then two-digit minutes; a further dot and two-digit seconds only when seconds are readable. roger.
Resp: 11.43
